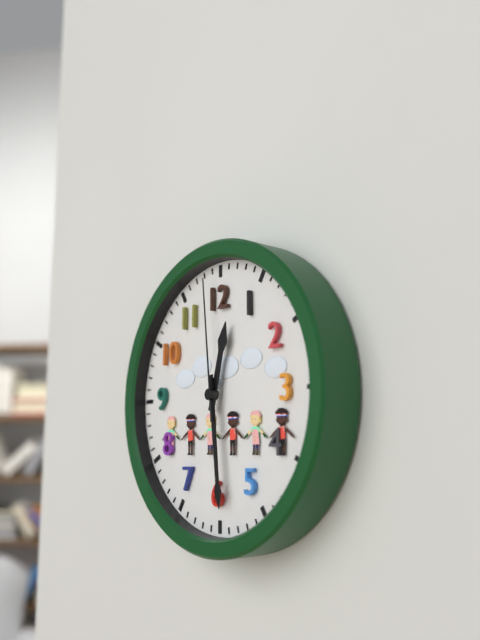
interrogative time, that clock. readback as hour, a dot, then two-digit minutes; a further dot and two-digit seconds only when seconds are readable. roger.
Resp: 12.29.59
